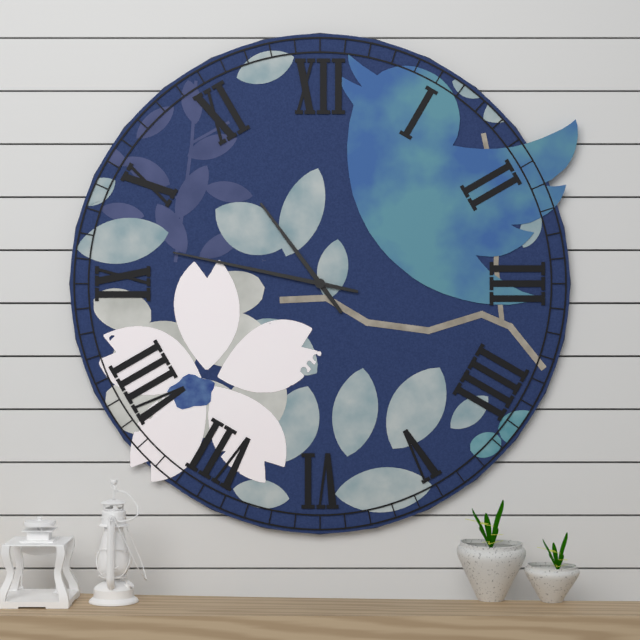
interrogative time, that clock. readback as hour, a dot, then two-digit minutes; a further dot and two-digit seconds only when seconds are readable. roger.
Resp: 10.47
